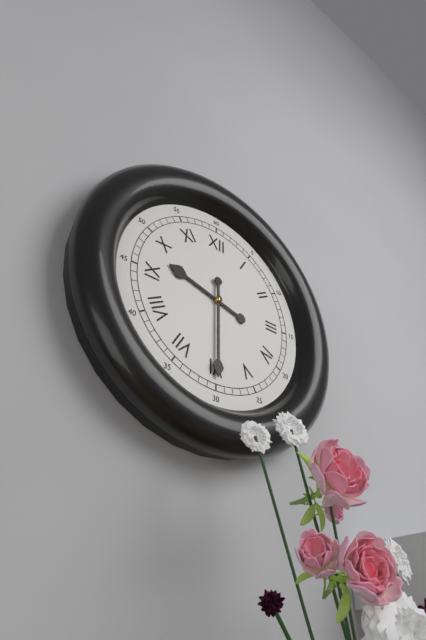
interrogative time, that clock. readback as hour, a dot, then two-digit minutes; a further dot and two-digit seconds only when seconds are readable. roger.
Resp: 9.30
